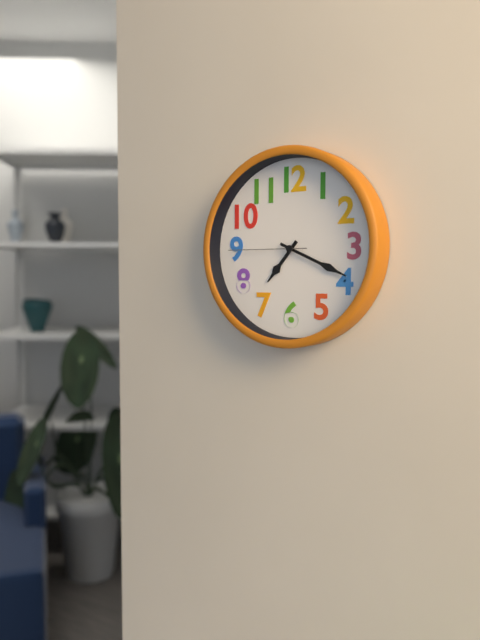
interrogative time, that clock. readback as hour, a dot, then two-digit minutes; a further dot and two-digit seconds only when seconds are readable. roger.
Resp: 7.19.45
